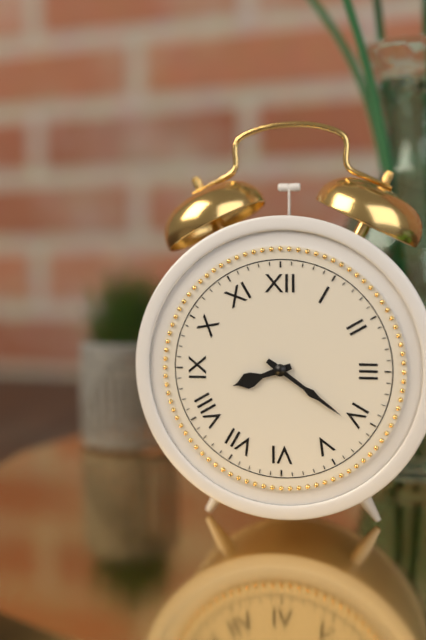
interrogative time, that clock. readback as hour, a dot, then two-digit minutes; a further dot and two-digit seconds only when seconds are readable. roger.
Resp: 8.21
